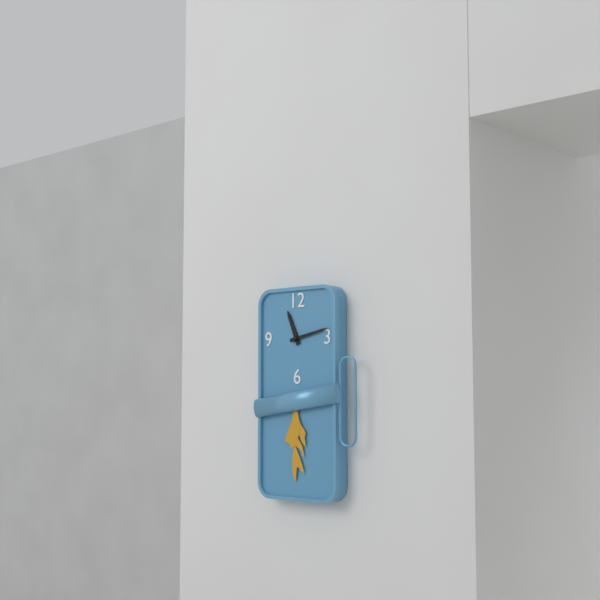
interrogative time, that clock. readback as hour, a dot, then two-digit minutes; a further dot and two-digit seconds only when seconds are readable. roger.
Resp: 11.13
